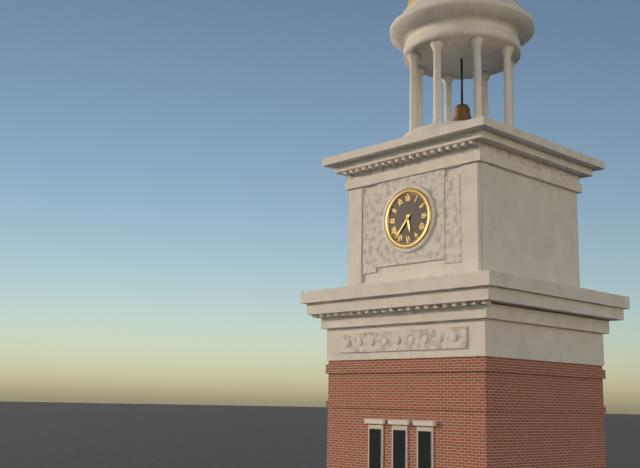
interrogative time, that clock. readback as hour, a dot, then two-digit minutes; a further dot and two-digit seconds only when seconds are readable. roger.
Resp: 5.37
